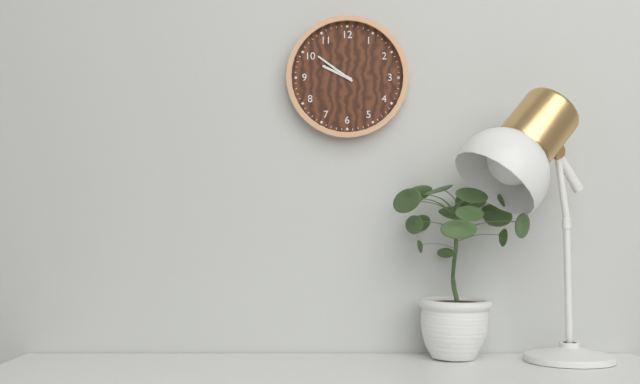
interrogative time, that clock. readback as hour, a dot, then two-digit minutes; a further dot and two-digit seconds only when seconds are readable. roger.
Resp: 9.51
